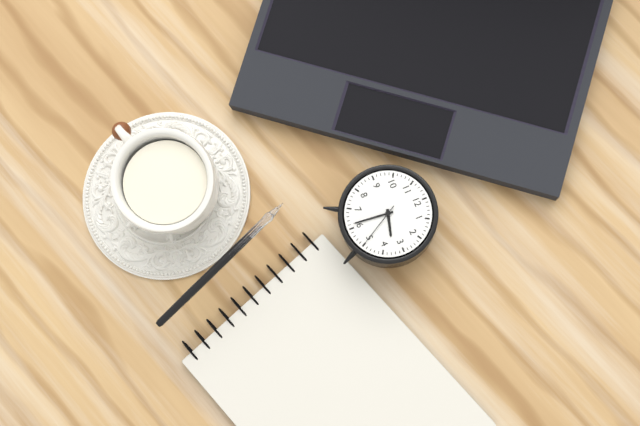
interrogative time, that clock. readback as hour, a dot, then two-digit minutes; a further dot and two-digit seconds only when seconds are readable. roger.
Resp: 3.31
